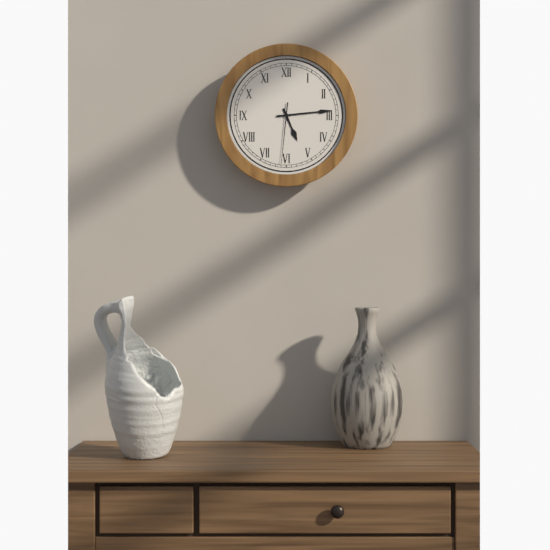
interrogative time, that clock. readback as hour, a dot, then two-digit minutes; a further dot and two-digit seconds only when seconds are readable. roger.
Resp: 5.14.31
